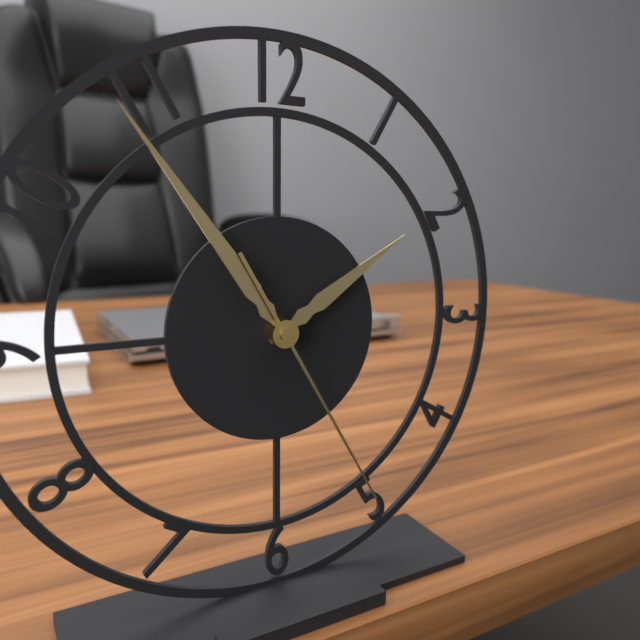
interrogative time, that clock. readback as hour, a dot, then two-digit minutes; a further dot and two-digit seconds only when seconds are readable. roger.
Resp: 1.54.25
